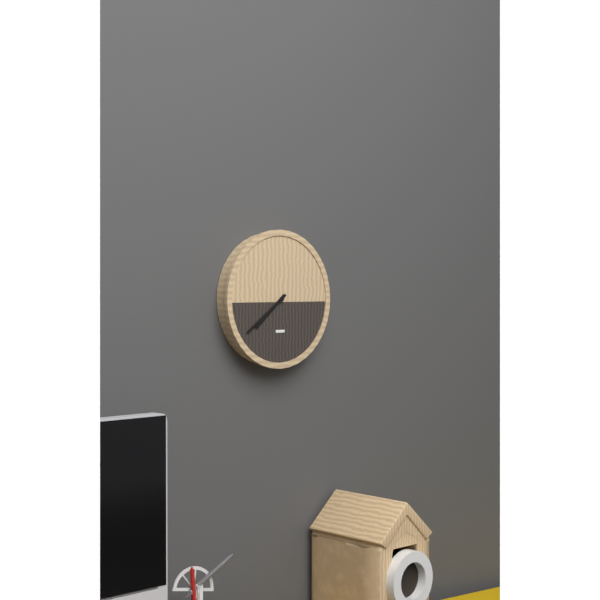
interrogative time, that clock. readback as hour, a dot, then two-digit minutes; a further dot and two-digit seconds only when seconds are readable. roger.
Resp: 7.39
